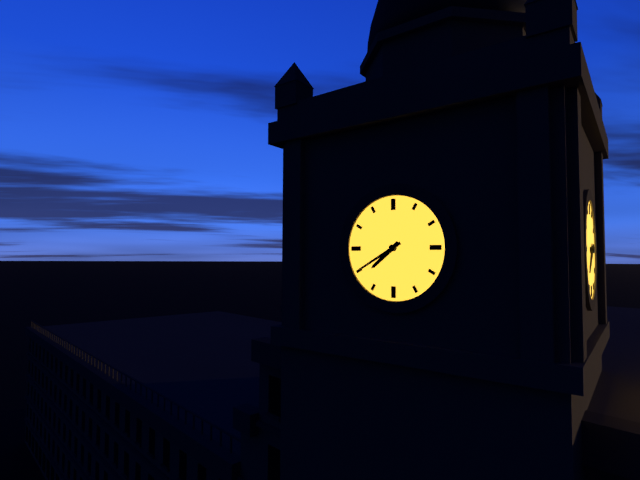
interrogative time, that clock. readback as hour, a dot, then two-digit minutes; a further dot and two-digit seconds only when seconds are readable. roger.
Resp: 7.40
